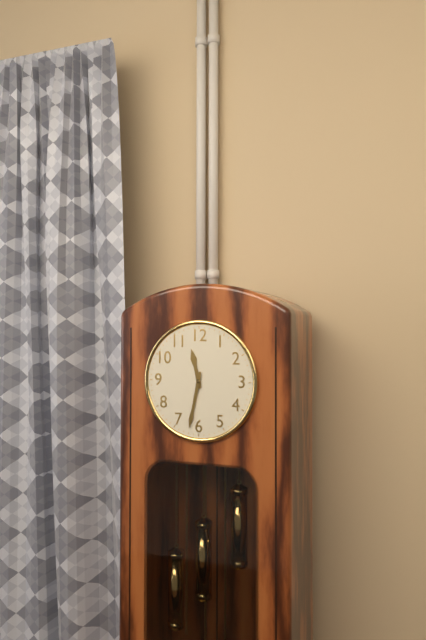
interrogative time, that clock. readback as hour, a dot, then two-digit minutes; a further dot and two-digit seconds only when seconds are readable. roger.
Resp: 11.32
